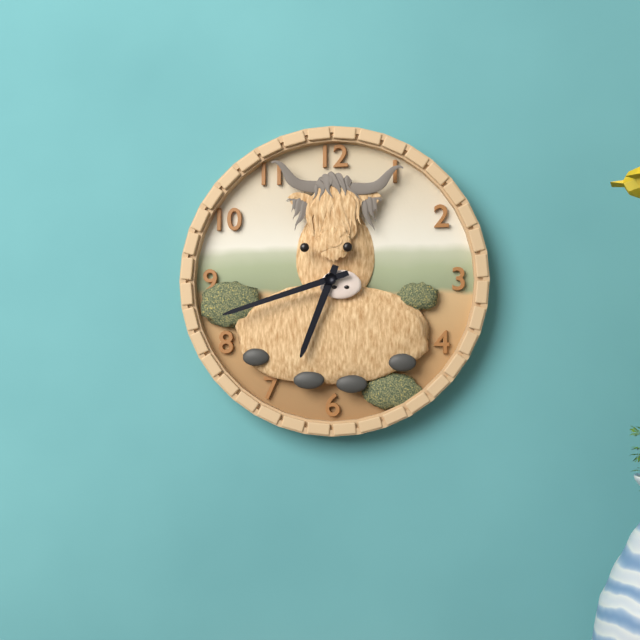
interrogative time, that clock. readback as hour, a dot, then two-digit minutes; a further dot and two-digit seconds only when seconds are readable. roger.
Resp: 6.42
